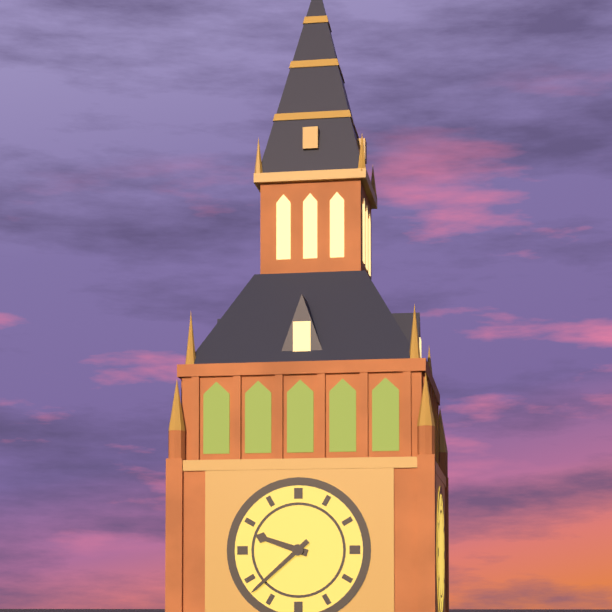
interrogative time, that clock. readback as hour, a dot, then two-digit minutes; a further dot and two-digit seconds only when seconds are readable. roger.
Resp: 9.38
